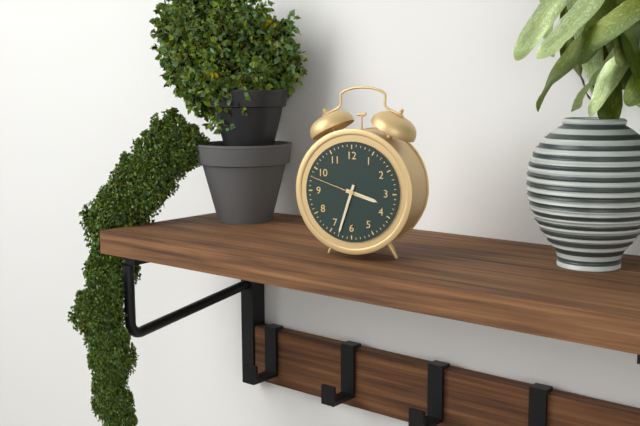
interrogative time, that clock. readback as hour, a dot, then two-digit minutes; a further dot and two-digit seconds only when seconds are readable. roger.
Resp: 3.33.48
